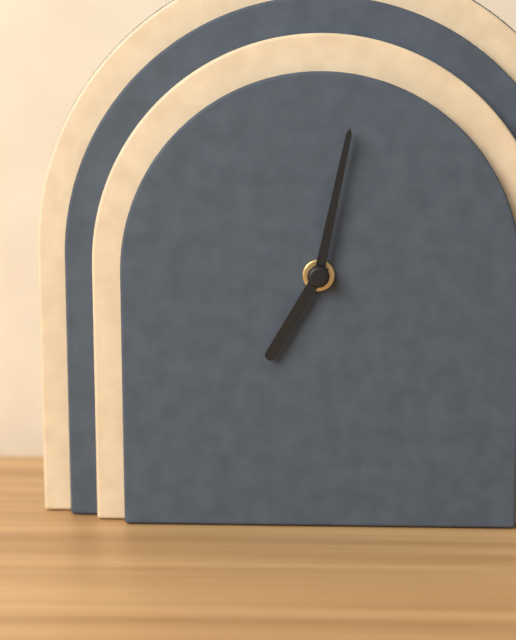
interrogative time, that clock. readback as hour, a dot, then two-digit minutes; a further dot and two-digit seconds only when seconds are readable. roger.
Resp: 7.02
